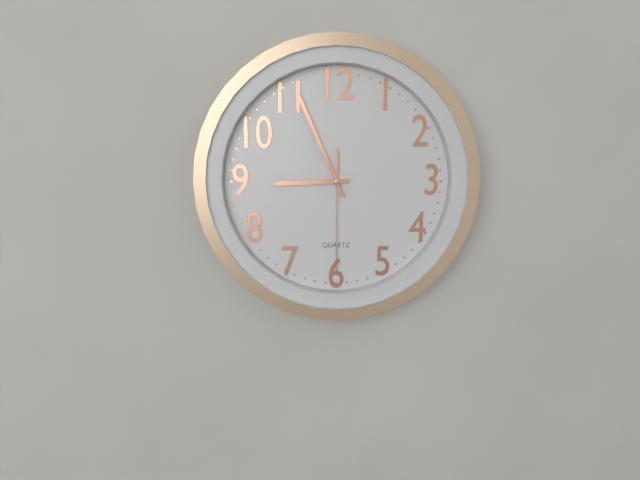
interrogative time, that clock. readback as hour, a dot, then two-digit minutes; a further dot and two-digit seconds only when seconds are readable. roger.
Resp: 8.56.30
